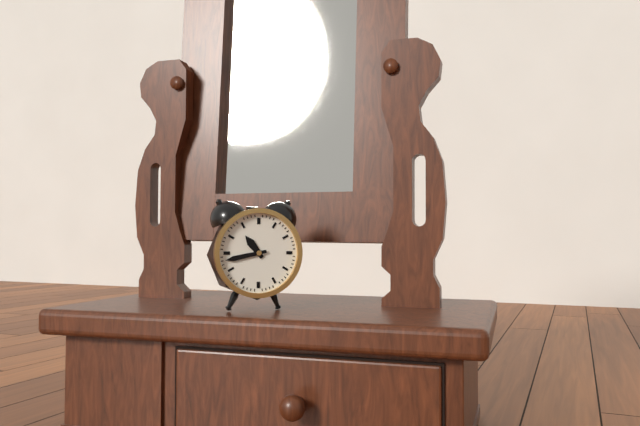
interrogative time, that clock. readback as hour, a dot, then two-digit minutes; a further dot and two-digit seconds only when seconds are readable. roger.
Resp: 10.43
